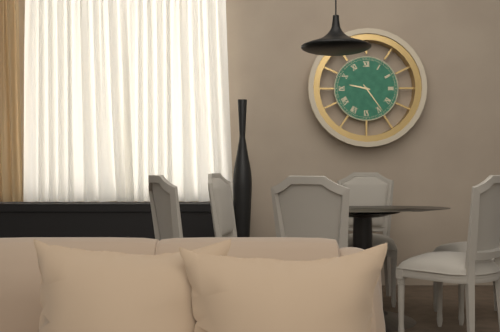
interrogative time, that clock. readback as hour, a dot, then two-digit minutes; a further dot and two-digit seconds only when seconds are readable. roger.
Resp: 9.24
